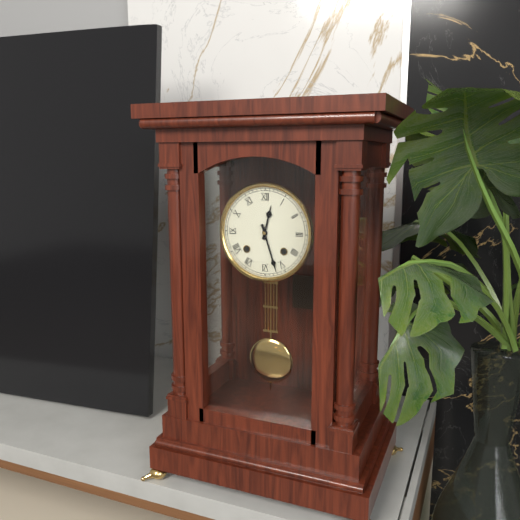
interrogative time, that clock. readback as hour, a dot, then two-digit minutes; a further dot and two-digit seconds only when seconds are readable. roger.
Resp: 12.27
